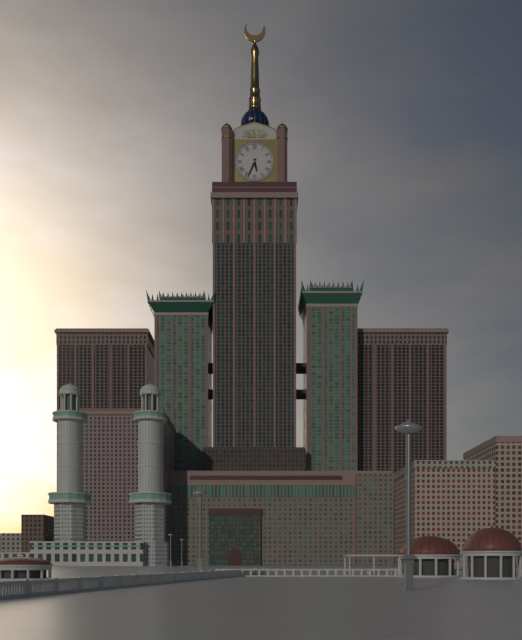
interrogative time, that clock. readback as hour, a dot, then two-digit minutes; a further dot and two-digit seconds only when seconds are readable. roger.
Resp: 5.34
